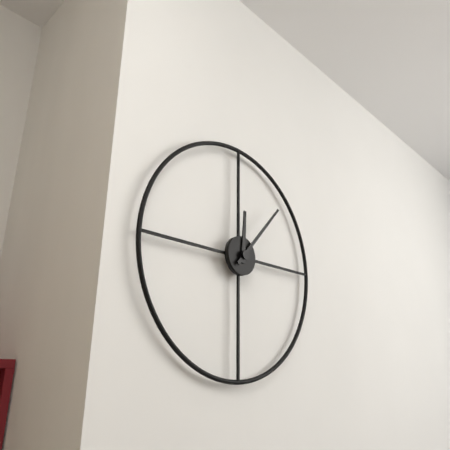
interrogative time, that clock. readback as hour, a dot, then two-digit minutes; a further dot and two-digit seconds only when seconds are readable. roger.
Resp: 12.07
